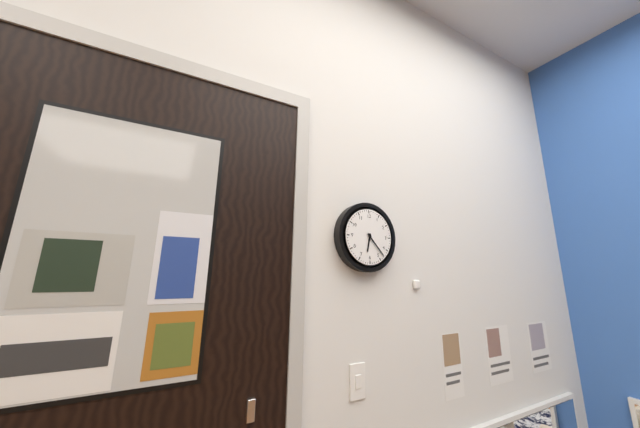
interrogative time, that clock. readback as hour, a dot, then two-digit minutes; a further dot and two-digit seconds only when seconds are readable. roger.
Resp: 6.23
